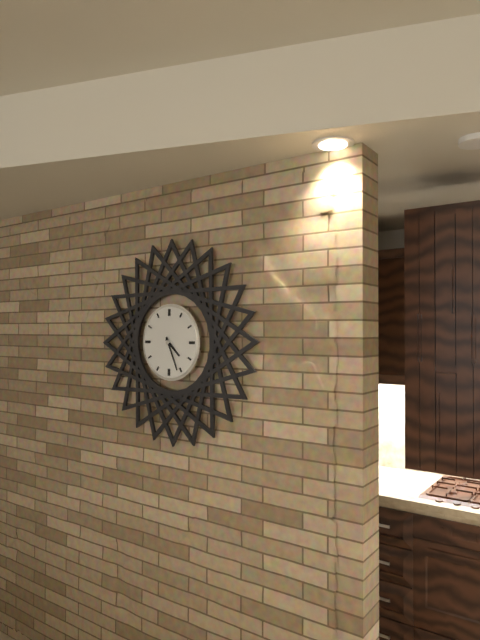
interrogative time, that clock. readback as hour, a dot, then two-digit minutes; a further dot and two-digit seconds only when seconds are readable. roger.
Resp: 4.26
